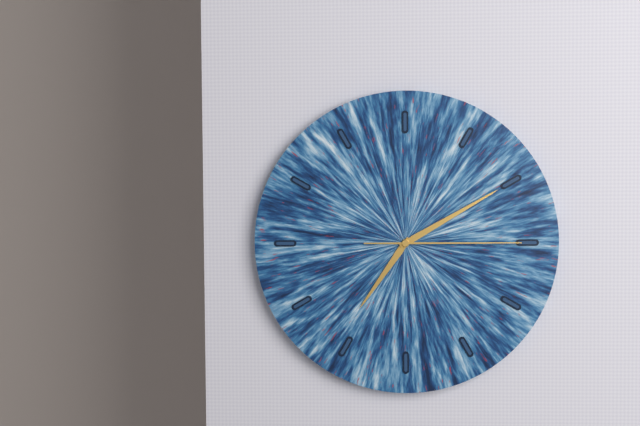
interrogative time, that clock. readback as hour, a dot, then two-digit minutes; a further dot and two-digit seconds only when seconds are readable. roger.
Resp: 7.10.15
